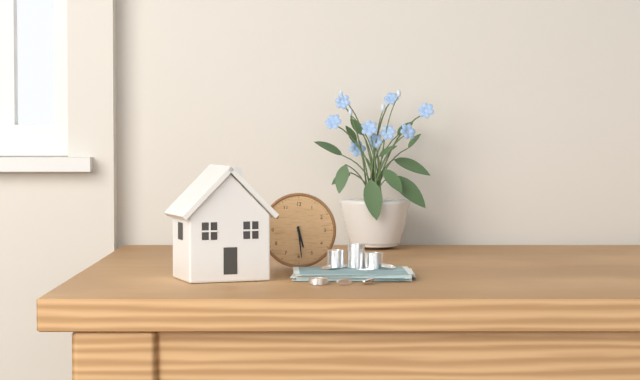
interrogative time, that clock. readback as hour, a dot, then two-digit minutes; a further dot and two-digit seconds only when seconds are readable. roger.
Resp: 5.29
